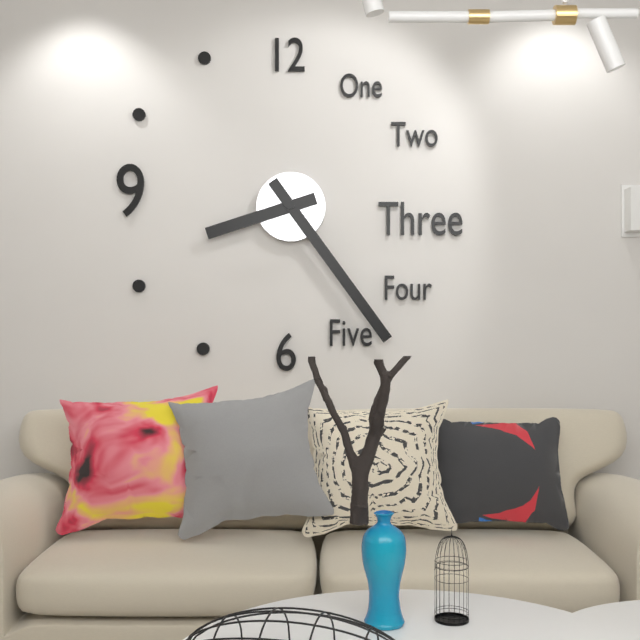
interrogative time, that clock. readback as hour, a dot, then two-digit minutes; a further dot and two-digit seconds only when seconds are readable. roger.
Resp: 8.24
